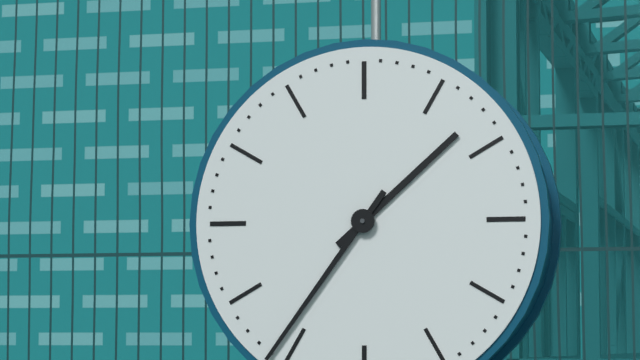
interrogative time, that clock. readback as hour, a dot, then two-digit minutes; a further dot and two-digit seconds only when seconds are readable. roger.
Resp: 1.36
